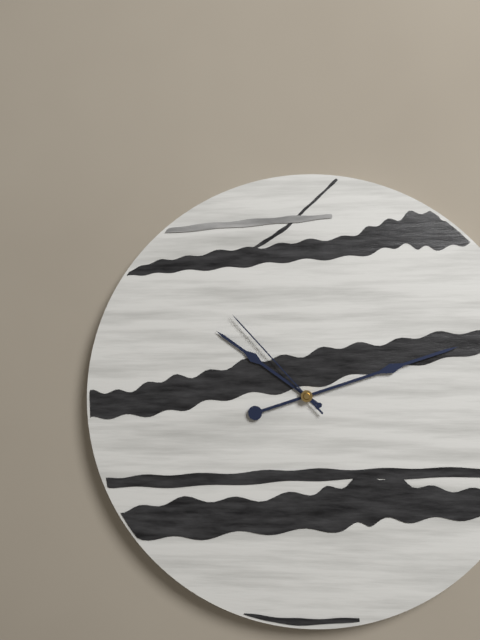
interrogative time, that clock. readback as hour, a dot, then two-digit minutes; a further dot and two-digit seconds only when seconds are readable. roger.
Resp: 10.12.53
